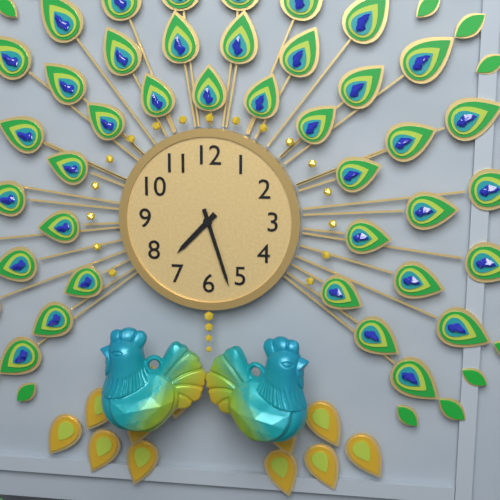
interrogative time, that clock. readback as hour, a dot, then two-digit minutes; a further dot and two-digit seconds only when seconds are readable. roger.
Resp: 7.27
